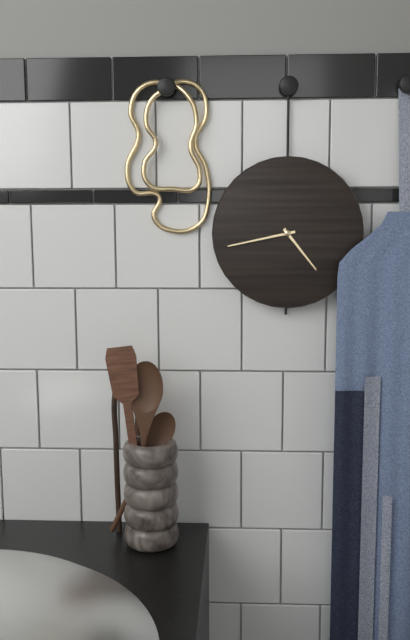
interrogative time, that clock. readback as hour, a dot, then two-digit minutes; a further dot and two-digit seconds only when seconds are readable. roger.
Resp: 4.43
